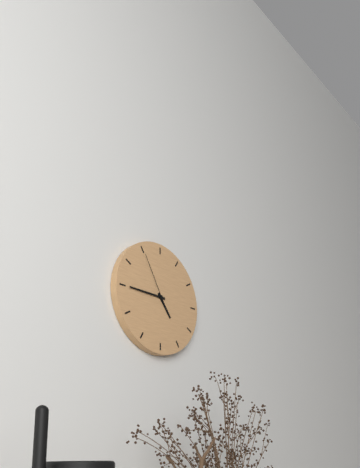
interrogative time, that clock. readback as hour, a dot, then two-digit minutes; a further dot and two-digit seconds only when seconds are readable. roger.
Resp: 4.45.55
